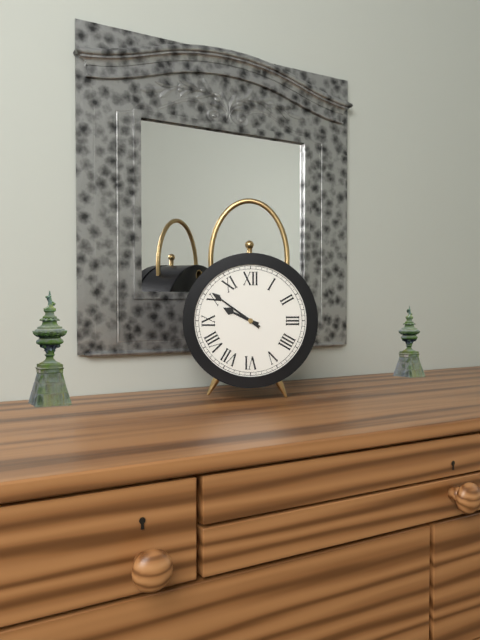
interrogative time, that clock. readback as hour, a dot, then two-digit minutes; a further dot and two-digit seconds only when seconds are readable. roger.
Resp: 9.51
